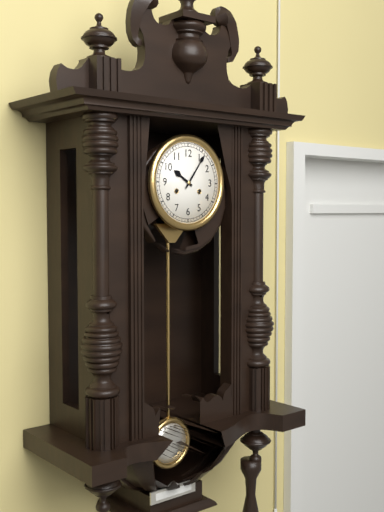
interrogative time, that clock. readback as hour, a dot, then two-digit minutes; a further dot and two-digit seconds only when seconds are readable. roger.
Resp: 10.06
